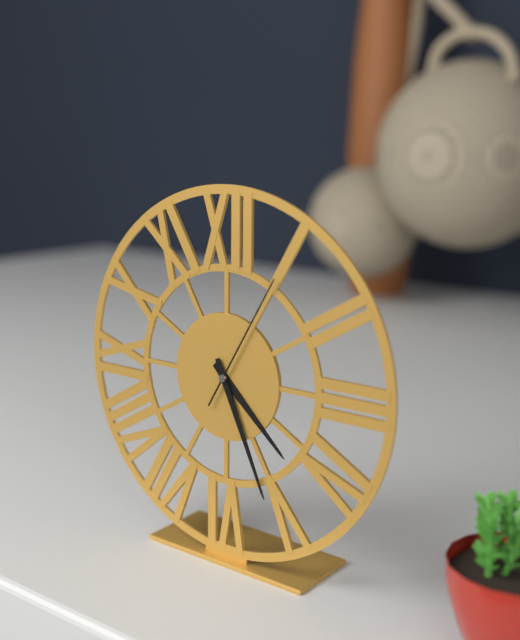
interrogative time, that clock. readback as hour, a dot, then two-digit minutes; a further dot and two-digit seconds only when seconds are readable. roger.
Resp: 4.26.05
